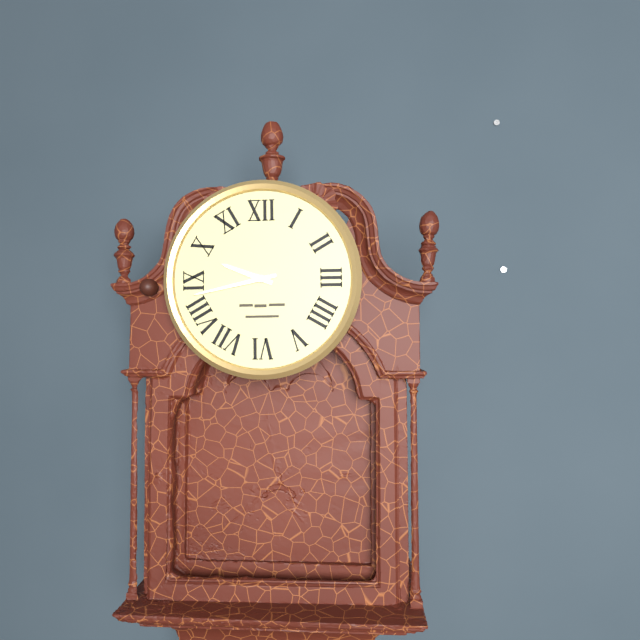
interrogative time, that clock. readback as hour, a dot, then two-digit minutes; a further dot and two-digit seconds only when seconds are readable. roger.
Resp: 9.43
